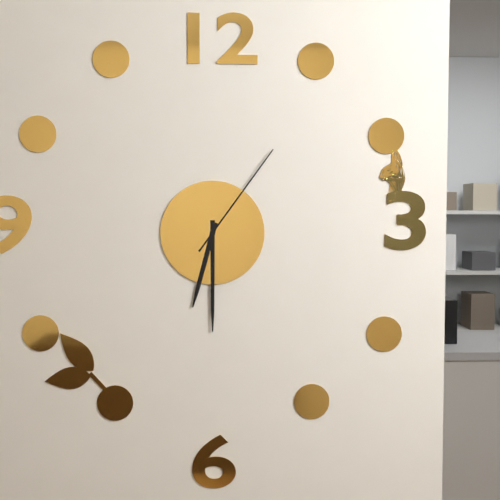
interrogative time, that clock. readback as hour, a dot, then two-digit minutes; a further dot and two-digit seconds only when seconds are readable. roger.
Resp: 6.30.06
